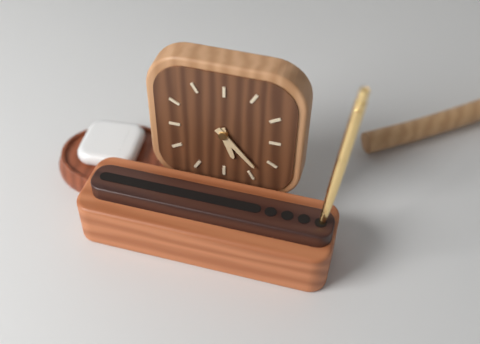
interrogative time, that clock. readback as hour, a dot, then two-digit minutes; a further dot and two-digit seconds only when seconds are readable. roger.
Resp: 5.23
